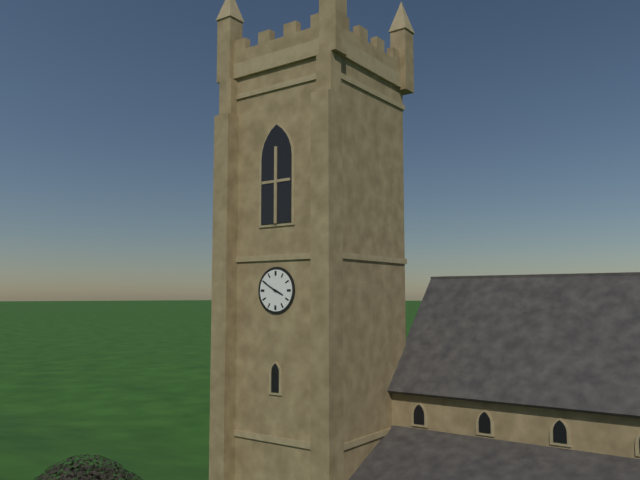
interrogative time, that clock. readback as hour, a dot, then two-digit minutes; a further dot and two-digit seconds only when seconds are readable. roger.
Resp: 3.50
